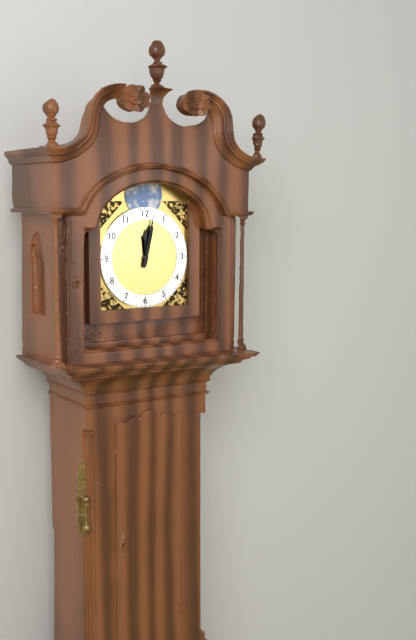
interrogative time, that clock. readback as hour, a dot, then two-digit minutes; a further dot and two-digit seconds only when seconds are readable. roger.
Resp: 12.02
